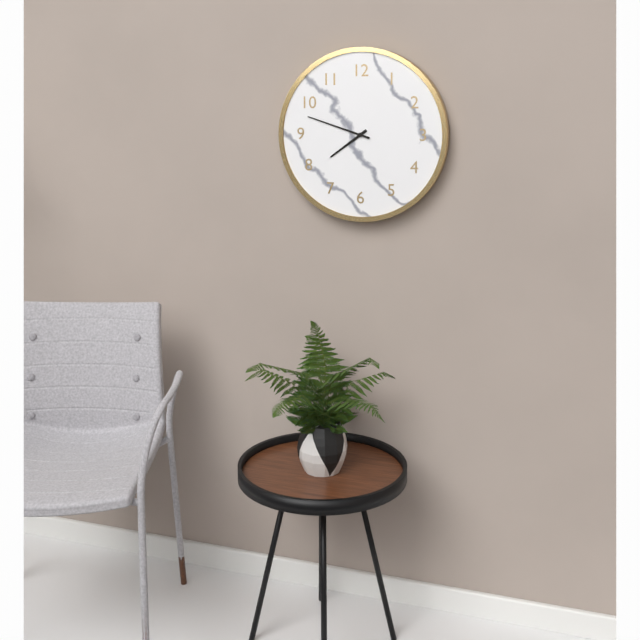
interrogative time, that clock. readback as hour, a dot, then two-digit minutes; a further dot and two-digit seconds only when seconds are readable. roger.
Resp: 7.48
